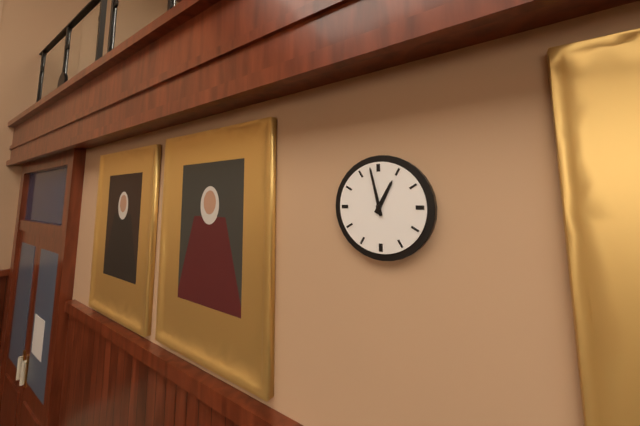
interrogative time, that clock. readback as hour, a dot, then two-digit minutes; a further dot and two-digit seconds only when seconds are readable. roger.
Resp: 12.58
